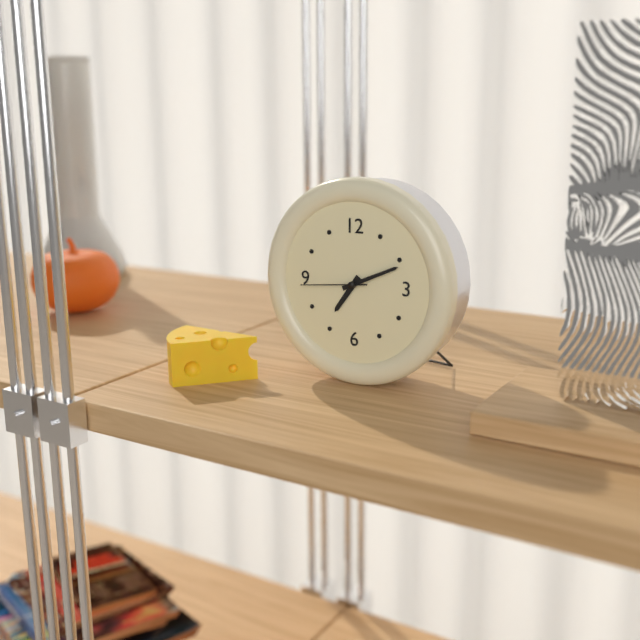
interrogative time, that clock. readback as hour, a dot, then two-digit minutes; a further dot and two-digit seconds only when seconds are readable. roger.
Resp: 7.11.44
